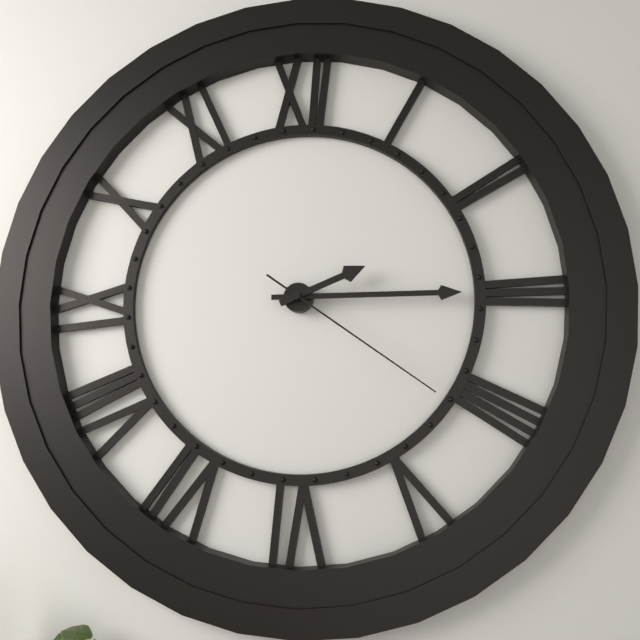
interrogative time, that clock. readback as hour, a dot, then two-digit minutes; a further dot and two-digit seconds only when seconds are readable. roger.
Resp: 2.15.21
